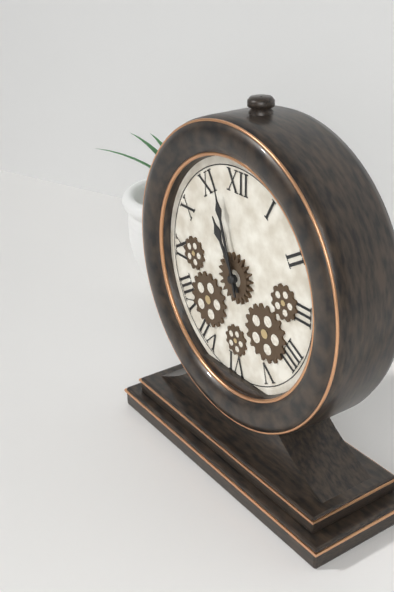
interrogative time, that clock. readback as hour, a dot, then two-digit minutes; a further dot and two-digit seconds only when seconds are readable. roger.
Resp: 10.57
